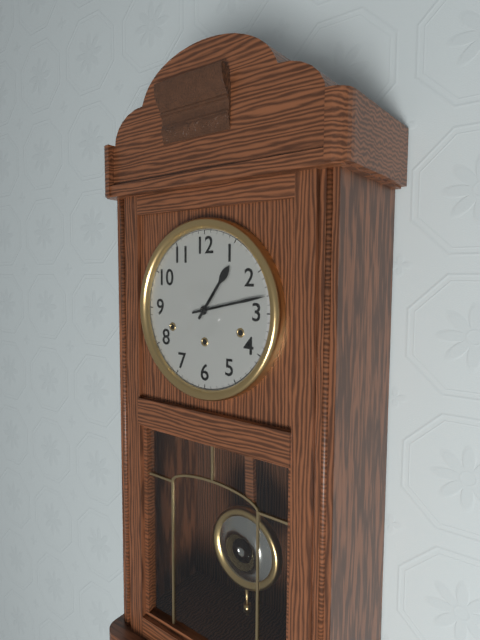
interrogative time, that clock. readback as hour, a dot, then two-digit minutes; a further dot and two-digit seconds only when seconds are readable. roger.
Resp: 1.13
